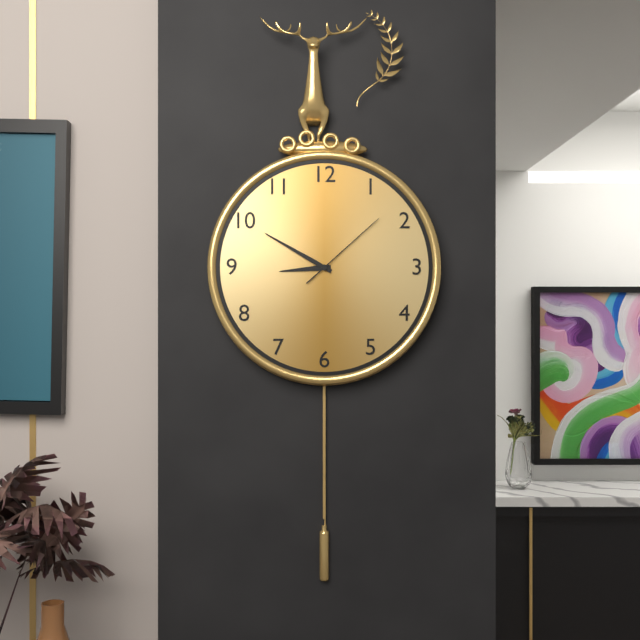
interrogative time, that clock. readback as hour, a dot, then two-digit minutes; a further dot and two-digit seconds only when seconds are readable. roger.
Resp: 8.50.08
